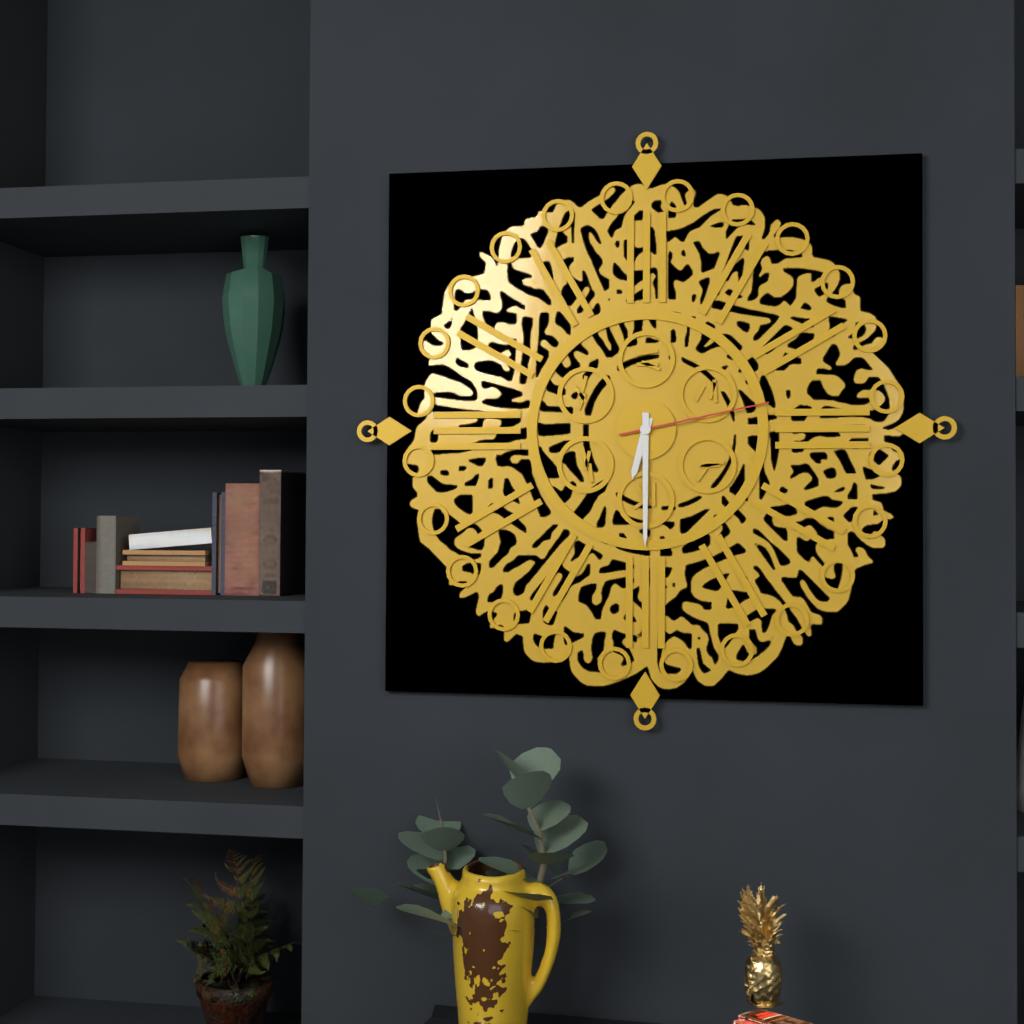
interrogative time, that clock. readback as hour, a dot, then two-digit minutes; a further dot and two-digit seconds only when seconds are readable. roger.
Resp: 6.30.13
